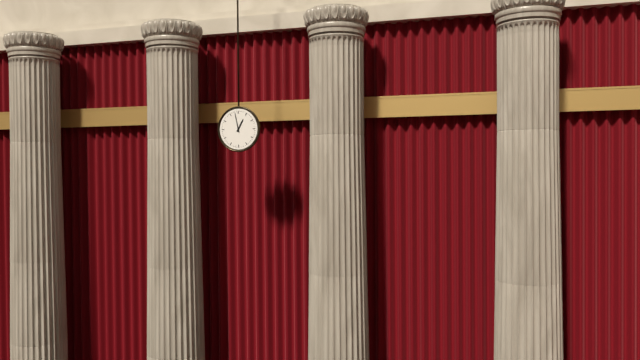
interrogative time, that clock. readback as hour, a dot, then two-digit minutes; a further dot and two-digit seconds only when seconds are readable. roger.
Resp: 12.58
